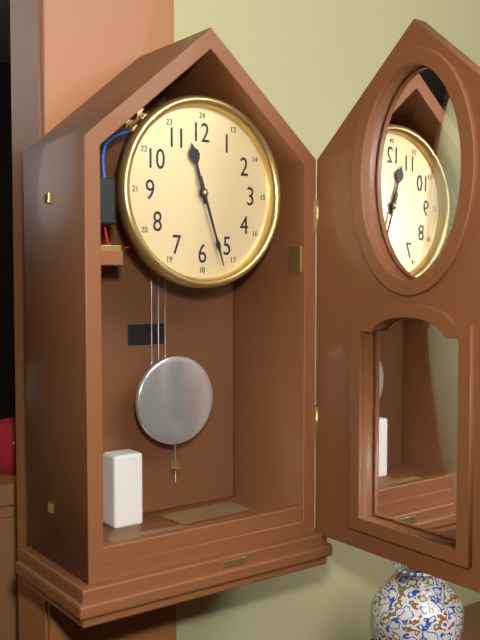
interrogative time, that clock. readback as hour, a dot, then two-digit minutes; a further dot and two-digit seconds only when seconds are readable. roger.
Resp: 11.27
